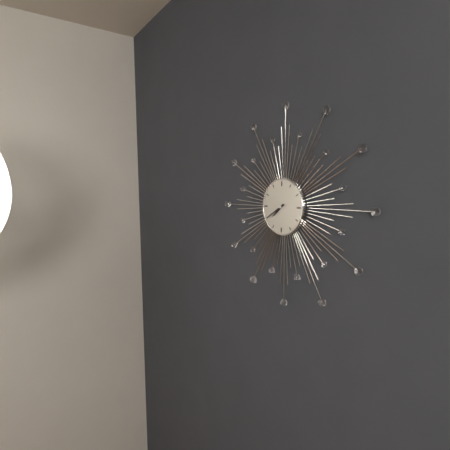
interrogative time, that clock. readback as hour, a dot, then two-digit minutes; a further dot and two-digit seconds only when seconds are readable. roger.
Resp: 7.40
